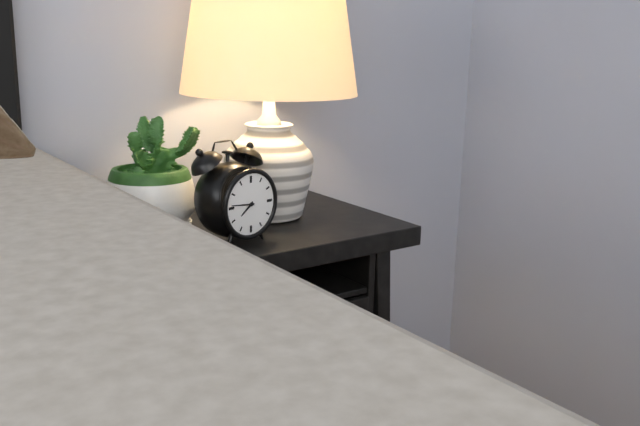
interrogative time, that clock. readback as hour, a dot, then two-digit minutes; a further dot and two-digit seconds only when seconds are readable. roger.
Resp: 7.46
